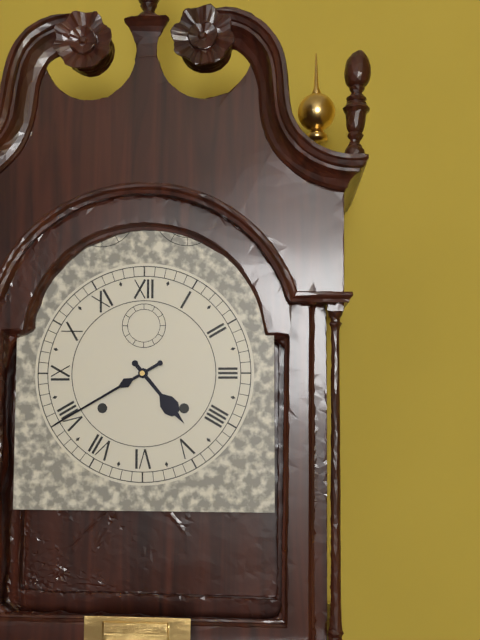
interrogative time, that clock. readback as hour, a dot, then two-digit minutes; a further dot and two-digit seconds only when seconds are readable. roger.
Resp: 4.40
